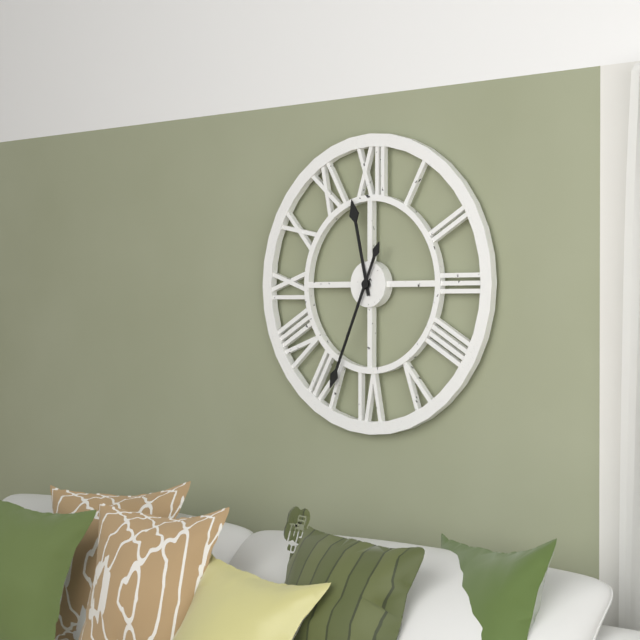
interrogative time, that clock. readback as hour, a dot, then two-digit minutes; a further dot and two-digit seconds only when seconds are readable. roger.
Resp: 11.34
